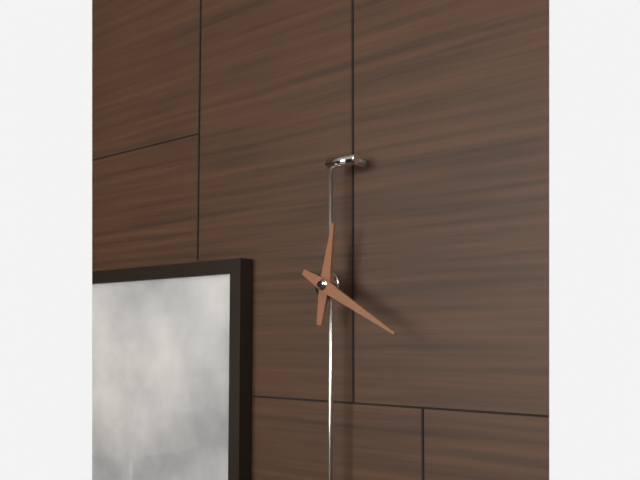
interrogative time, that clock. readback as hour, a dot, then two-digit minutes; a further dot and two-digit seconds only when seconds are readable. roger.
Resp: 12.20
